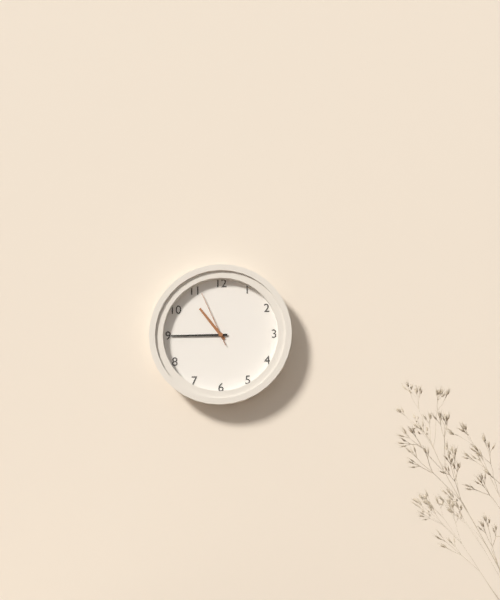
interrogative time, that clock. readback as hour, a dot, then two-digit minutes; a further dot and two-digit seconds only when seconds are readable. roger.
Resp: 10.45.56
